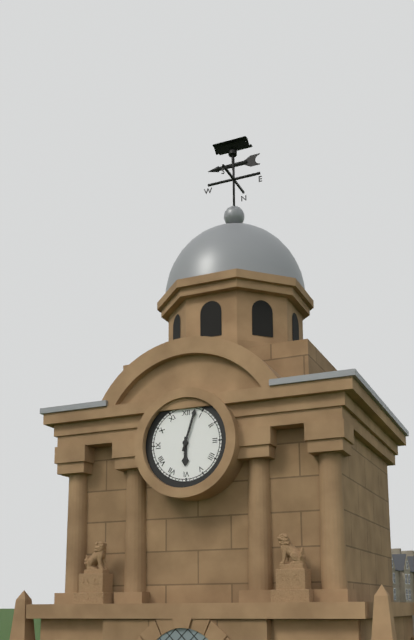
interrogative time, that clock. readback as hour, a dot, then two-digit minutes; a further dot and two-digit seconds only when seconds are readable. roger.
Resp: 6.03
